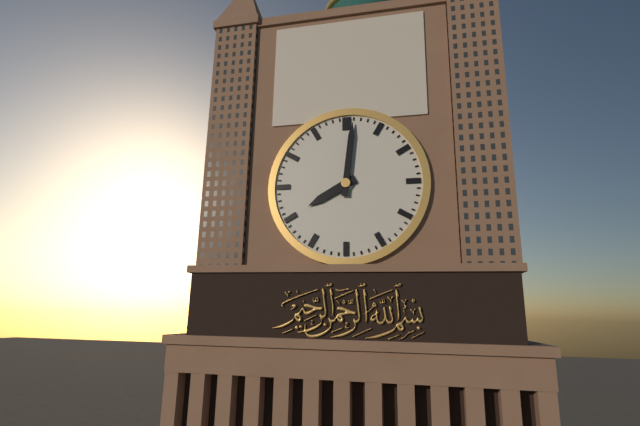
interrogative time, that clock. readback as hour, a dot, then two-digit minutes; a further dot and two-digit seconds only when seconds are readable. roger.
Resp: 8.01
